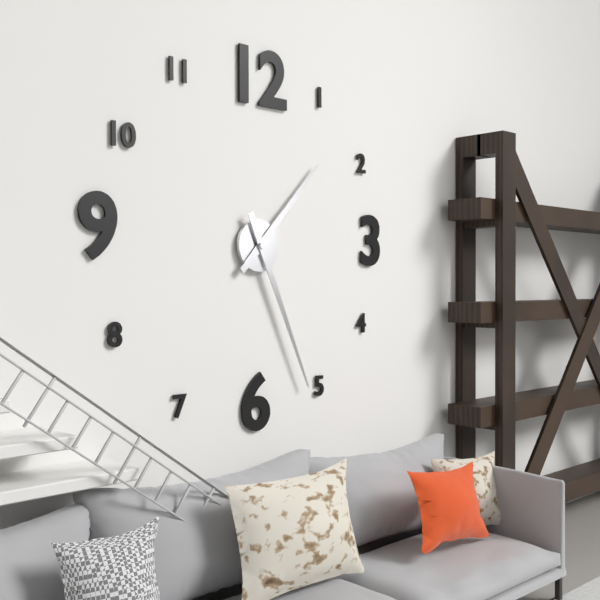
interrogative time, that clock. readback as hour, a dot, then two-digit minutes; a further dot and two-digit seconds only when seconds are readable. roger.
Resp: 1.26
